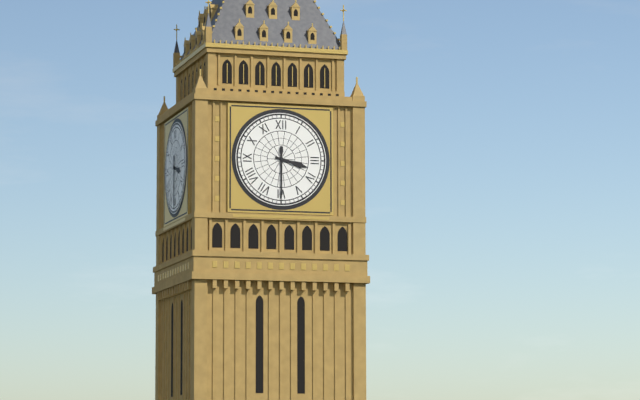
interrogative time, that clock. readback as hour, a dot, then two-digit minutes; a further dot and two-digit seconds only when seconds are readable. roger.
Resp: 3.30
